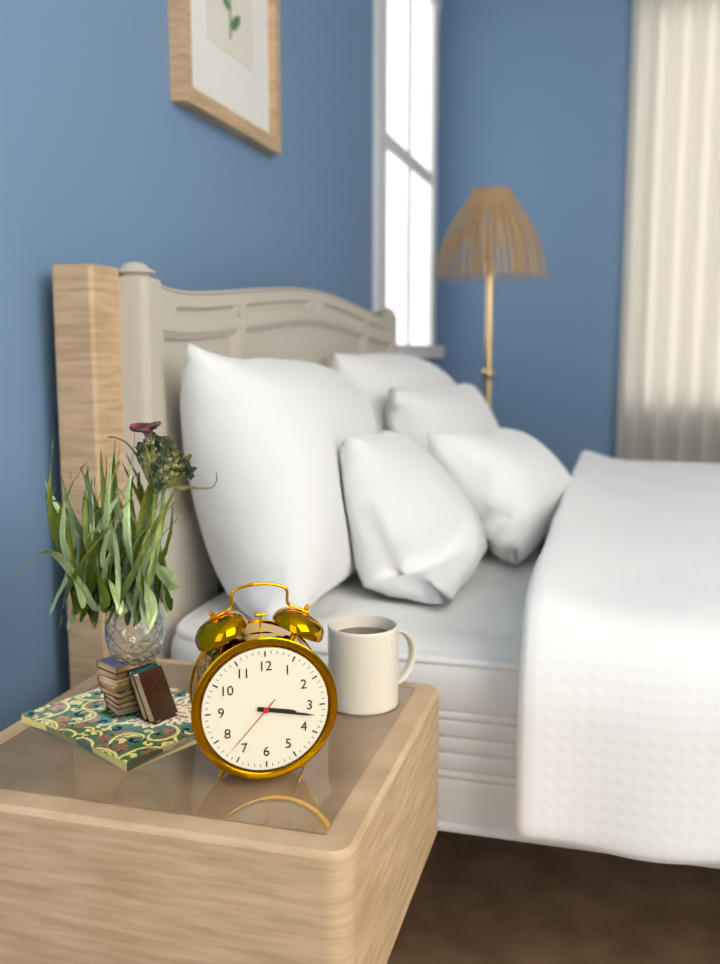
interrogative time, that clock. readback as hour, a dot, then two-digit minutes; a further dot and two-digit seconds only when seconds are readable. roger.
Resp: 3.17.37
